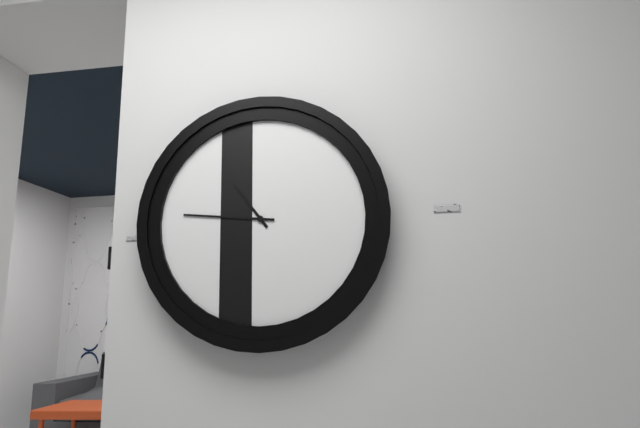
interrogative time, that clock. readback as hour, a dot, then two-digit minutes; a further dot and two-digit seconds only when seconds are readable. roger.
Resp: 10.46
